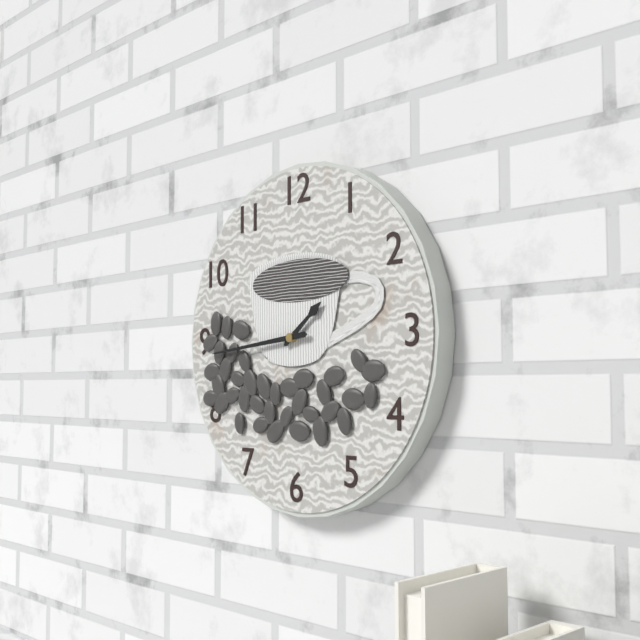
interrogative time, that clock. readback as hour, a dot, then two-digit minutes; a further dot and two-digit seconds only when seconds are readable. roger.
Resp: 1.44
